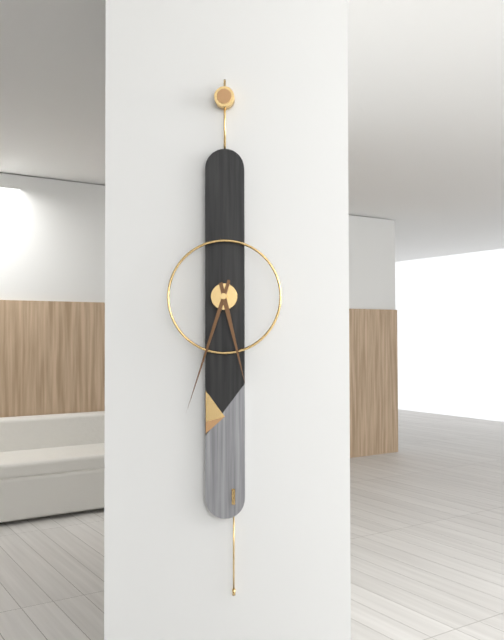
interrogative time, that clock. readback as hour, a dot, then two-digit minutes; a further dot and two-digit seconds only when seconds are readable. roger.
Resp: 5.33
